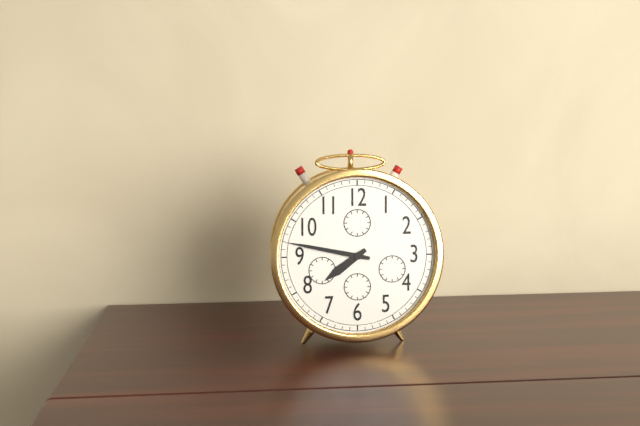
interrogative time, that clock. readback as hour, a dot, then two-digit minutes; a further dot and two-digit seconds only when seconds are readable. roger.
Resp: 7.47
